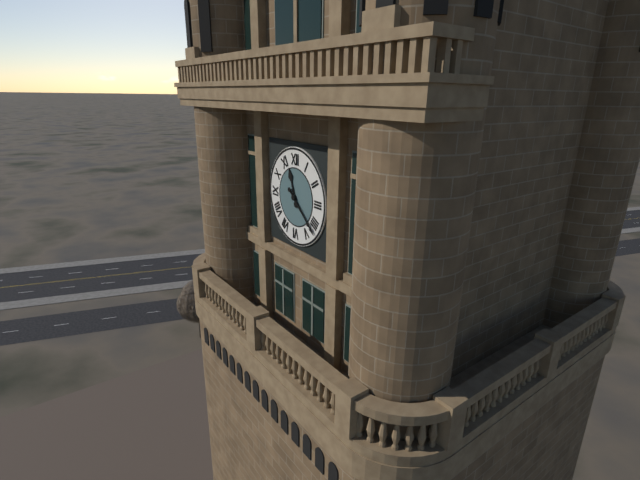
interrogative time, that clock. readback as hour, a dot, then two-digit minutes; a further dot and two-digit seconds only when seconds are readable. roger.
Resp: 11.22
